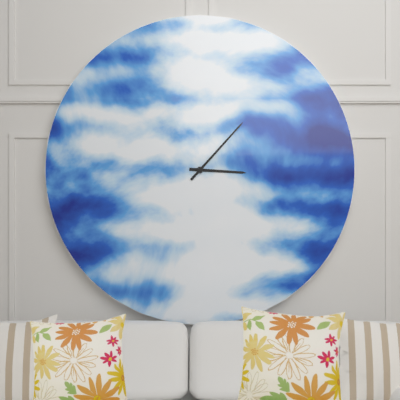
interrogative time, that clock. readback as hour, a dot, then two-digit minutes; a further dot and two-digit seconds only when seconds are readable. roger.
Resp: 3.07
